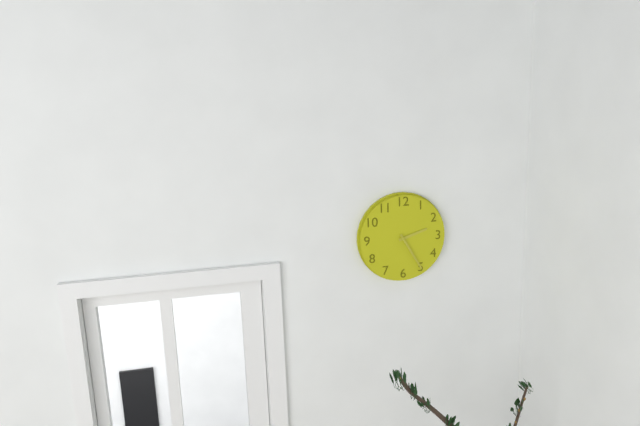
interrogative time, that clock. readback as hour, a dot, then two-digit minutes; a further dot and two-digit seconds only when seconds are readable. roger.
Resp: 2.25
